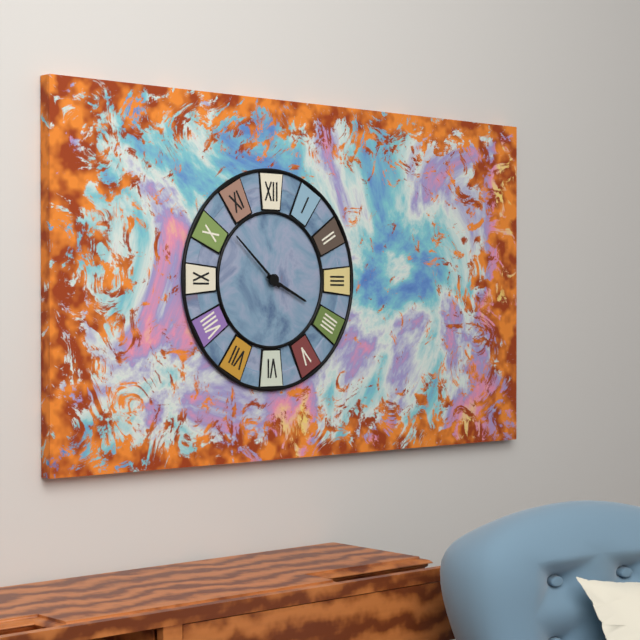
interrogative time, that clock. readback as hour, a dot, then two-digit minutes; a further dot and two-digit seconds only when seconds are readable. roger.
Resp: 3.52
